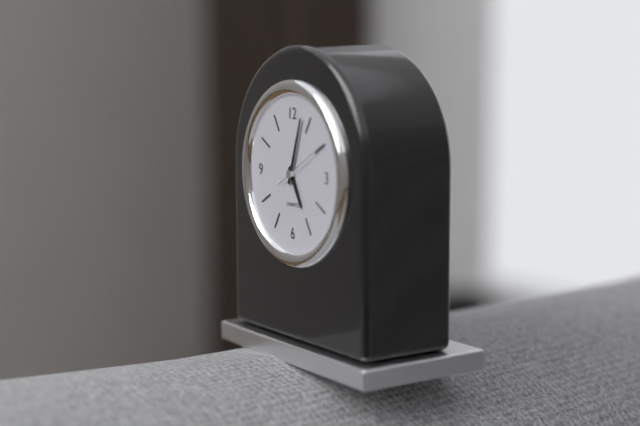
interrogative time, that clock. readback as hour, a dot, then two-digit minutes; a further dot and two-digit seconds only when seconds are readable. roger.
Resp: 5.03
